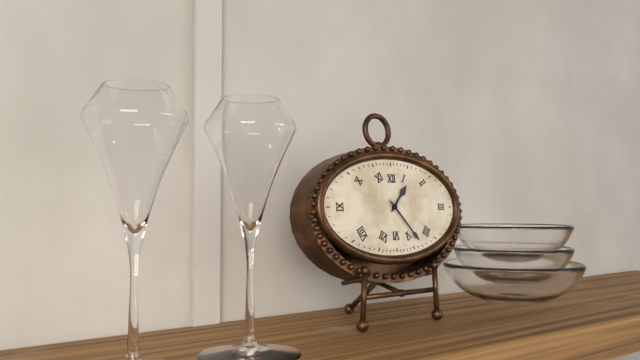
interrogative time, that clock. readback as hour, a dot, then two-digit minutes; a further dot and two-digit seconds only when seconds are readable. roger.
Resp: 1.23
